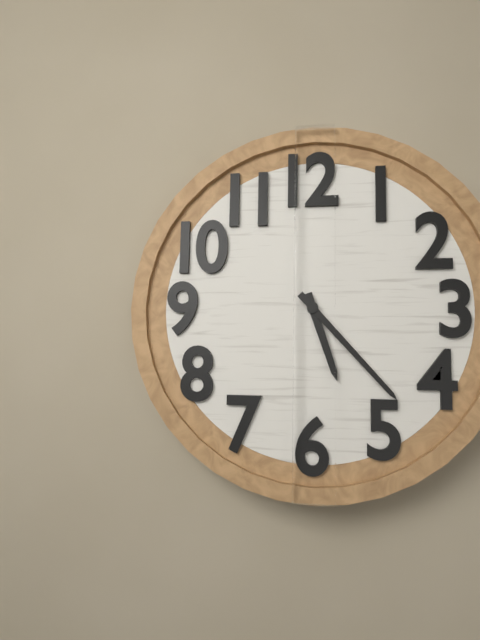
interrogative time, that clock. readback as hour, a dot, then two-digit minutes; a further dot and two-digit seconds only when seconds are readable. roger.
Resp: 5.23
